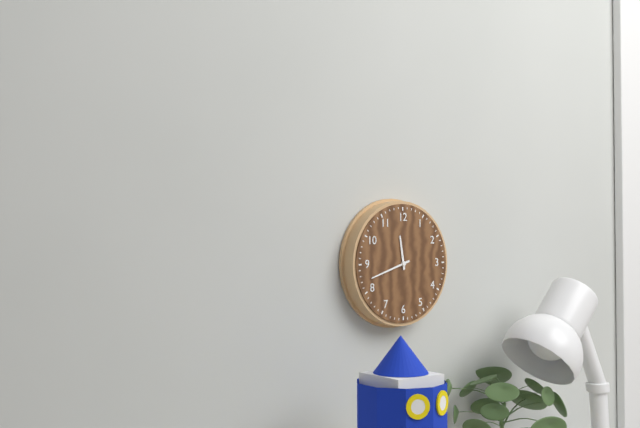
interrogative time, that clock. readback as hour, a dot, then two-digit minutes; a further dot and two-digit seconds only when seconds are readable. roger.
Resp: 11.42
